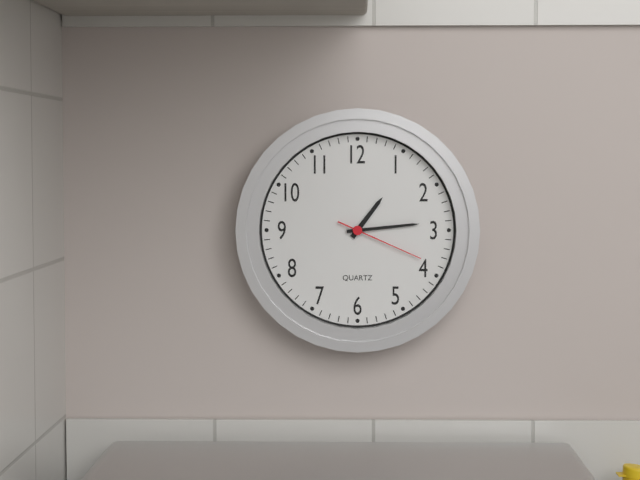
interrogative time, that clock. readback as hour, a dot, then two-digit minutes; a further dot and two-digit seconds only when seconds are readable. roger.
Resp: 1.14.19
